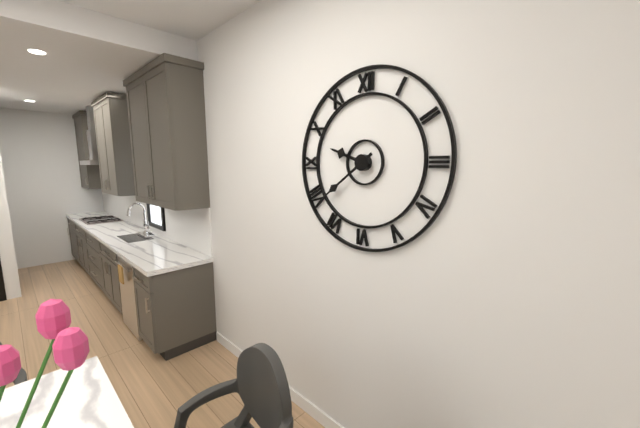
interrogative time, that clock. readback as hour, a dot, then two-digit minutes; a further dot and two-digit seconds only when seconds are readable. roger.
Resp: 9.39
